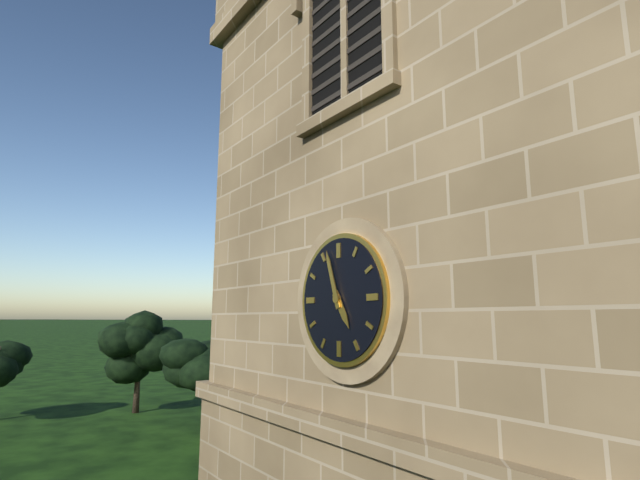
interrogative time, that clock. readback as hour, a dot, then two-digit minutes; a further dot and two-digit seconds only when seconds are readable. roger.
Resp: 4.57
